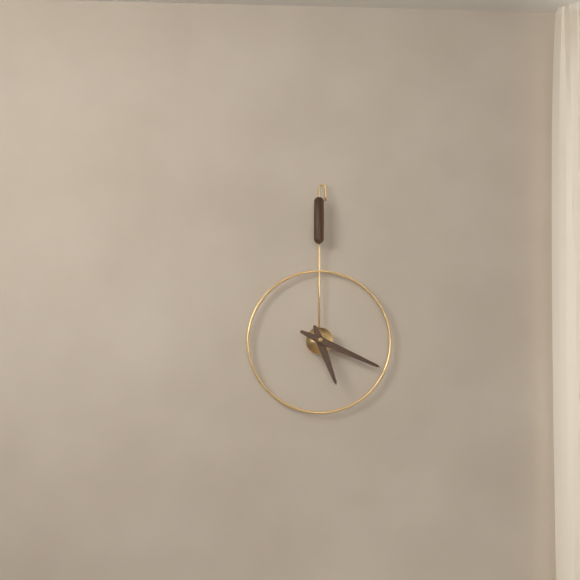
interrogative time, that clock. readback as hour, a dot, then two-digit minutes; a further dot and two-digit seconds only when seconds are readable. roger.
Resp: 5.19
